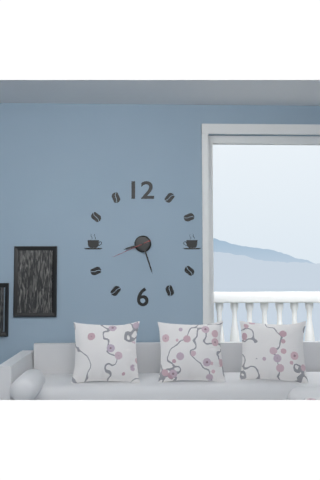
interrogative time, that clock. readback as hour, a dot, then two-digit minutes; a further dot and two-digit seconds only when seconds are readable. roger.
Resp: 8.27
